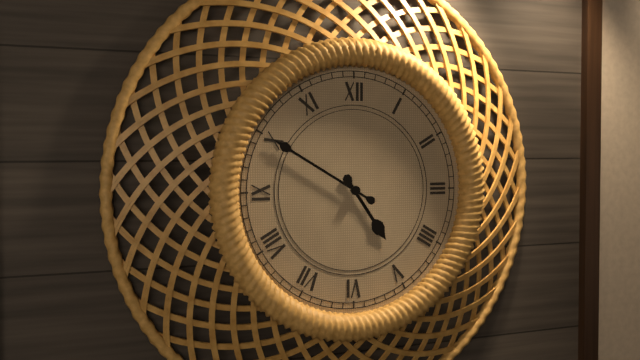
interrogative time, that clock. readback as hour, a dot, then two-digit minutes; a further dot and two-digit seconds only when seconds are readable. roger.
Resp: 4.50
